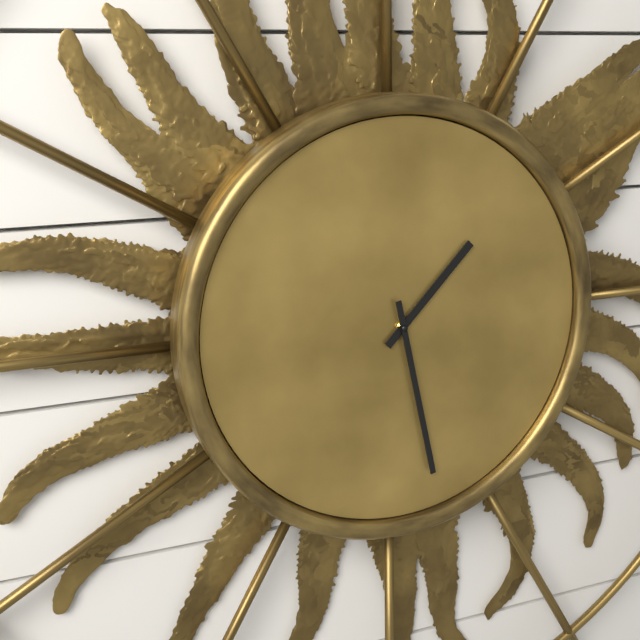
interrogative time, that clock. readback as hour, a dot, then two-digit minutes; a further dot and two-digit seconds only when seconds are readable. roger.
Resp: 1.28
